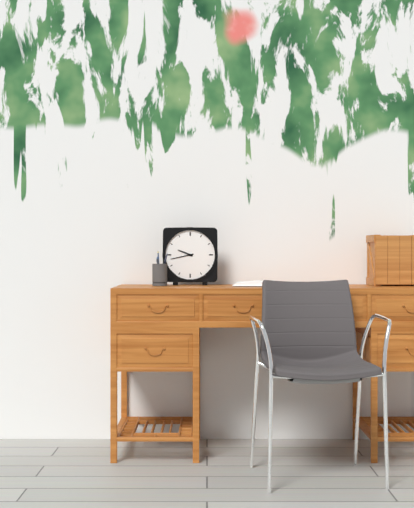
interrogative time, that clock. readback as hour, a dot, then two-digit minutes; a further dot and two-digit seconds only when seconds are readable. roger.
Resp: 9.43
